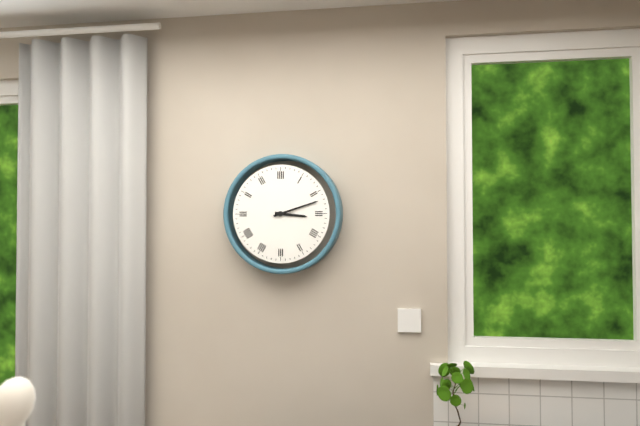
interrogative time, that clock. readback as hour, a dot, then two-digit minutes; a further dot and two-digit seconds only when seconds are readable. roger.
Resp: 3.12
